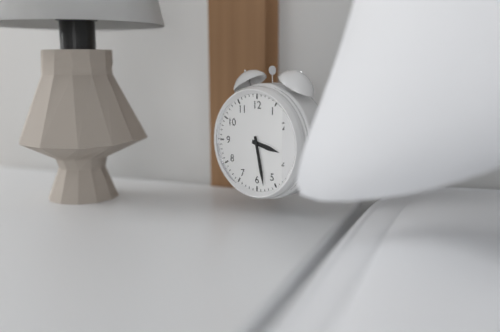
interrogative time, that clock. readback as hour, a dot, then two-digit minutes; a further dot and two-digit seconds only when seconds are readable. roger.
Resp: 3.28
